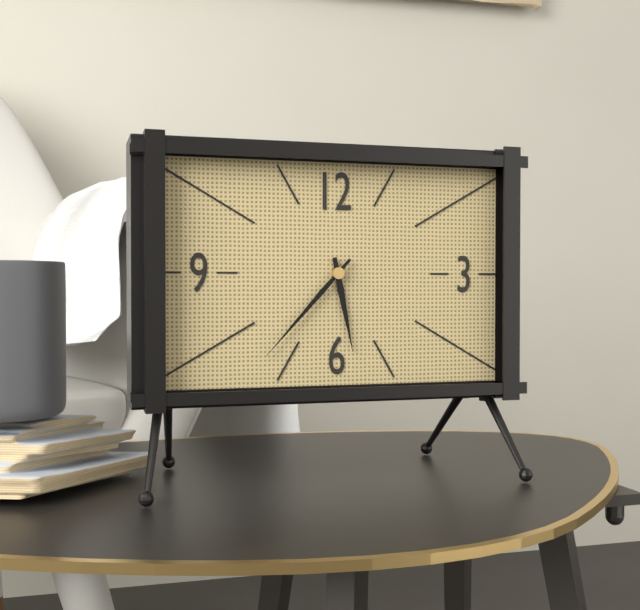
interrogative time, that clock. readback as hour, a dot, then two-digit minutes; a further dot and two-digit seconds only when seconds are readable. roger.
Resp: 5.37
